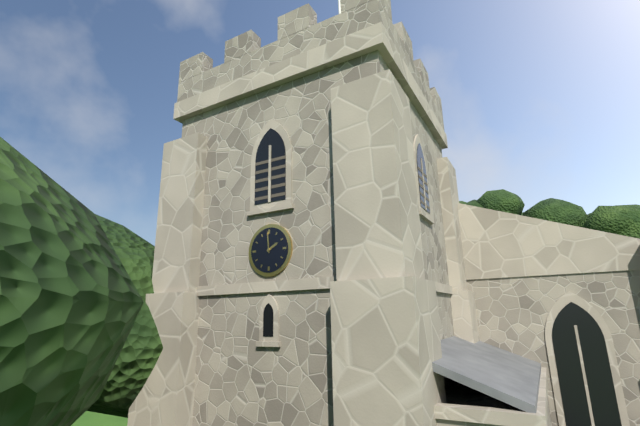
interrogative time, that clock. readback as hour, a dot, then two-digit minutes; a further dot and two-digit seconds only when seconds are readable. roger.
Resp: 1.59
